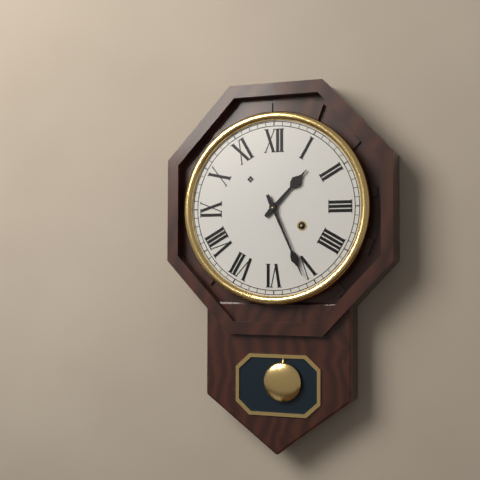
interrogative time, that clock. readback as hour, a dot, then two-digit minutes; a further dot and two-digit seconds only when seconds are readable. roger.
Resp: 1.26
